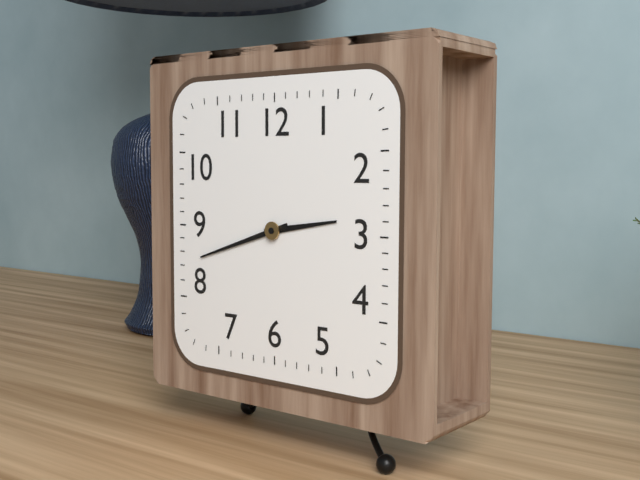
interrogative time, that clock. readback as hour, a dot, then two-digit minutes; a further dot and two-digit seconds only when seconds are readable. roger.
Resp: 2.42
